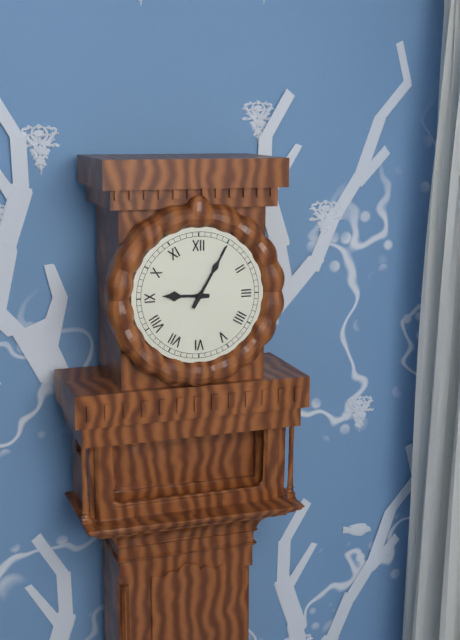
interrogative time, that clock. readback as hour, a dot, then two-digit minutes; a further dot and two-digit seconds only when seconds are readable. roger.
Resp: 9.05
